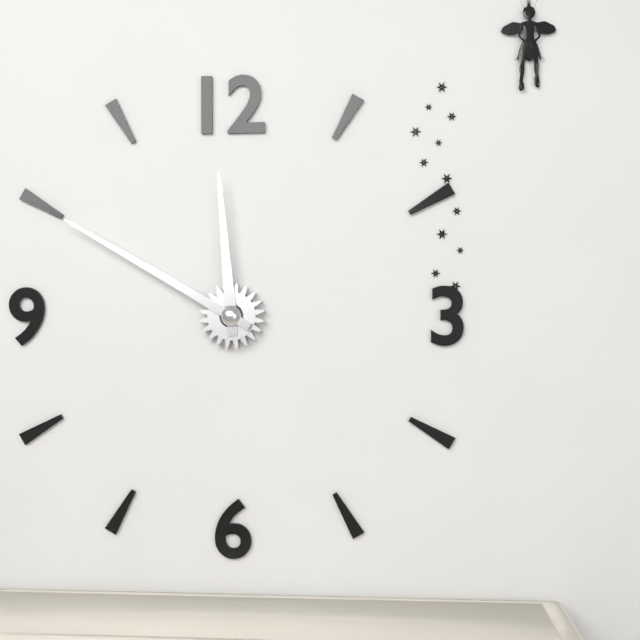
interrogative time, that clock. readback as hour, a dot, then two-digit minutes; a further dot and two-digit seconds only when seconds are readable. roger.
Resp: 11.50
